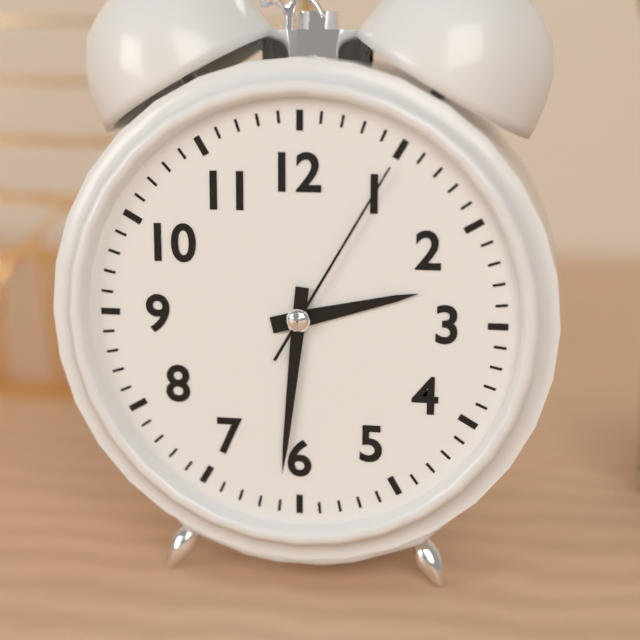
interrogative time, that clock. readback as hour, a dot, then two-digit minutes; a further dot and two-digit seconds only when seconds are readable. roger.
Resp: 2.31.05
